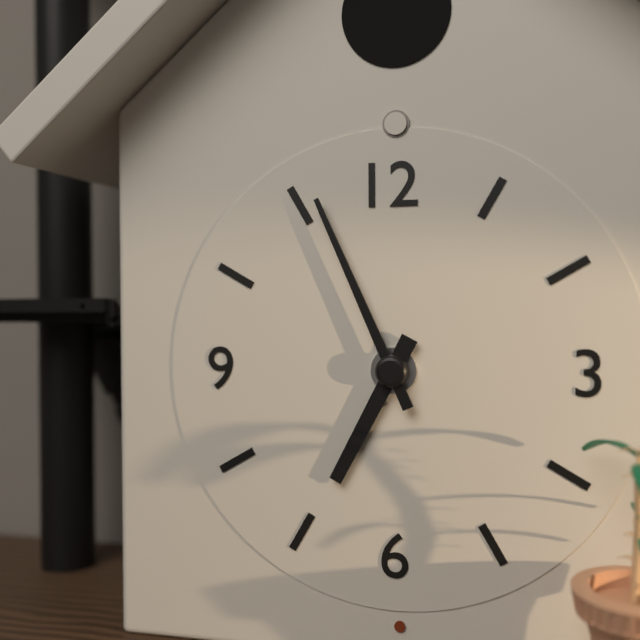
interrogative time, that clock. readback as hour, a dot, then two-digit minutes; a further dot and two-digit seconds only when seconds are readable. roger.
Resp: 6.56
